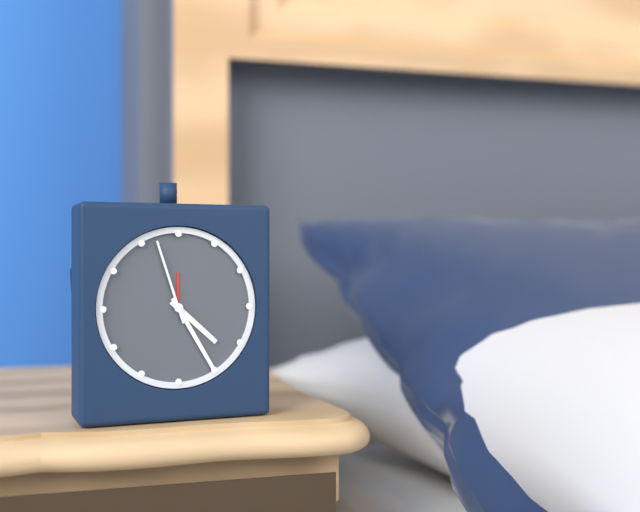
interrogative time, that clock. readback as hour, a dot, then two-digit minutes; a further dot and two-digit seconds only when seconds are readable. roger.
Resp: 4.25.57
